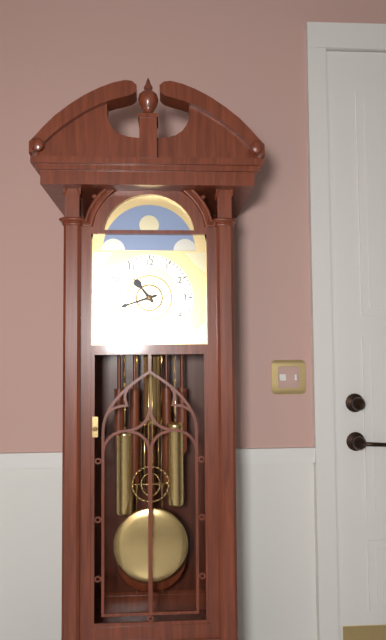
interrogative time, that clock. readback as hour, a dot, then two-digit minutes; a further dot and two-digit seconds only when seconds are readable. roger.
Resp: 10.42
